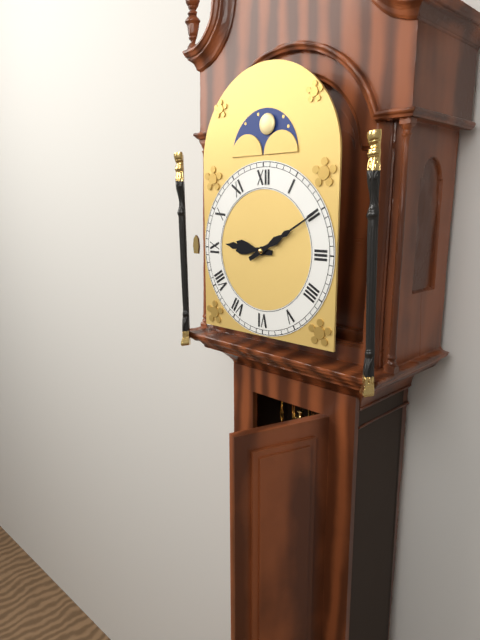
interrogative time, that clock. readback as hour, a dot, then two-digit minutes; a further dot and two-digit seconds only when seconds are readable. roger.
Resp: 9.10
